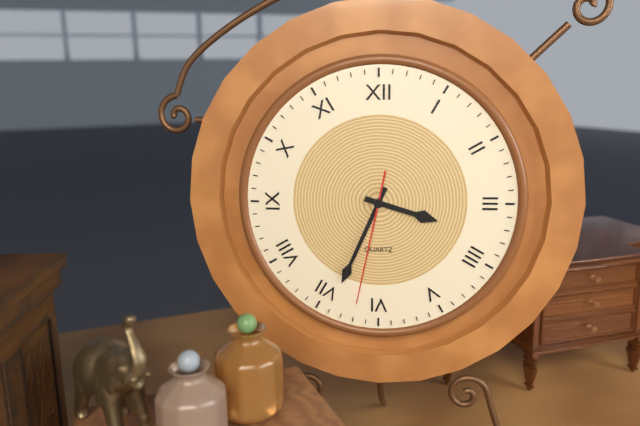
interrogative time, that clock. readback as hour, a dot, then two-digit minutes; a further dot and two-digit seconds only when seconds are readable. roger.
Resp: 3.34.32
